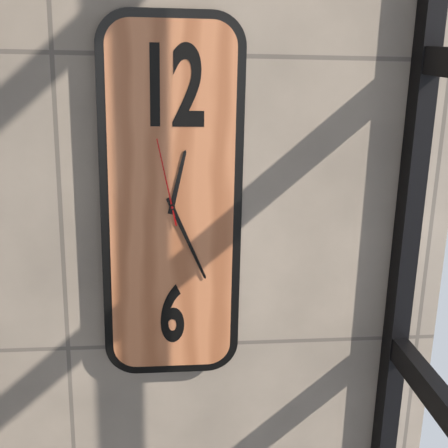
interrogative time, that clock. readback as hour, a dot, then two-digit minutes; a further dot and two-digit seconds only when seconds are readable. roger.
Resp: 12.26.58
